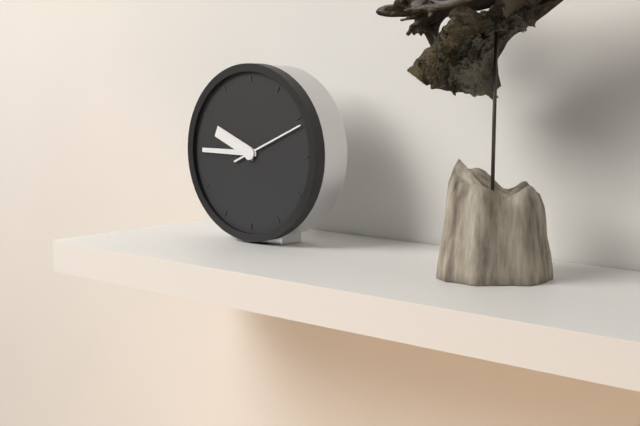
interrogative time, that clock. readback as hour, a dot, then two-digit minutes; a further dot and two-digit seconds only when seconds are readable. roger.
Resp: 9.45.11
